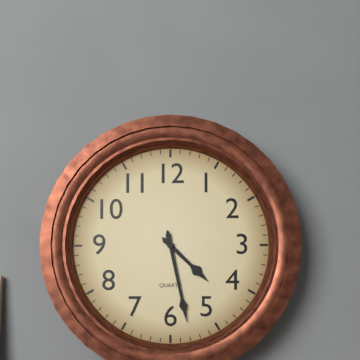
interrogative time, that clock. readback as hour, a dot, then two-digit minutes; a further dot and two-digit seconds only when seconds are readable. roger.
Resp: 4.28
